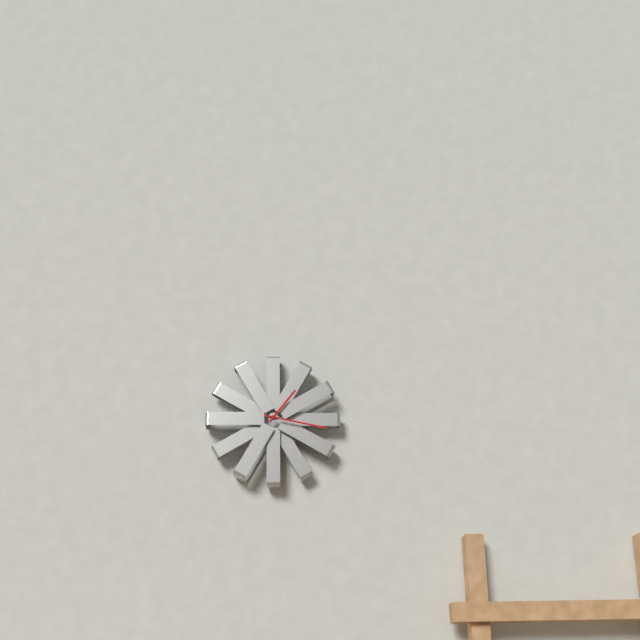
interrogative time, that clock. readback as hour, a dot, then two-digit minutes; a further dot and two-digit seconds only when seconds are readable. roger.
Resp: 1.17
